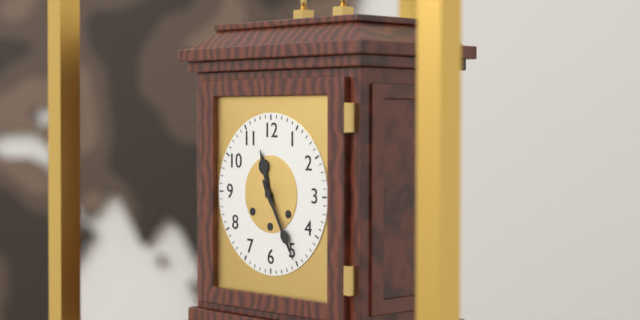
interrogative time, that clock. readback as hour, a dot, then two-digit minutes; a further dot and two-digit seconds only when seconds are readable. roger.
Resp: 11.25
